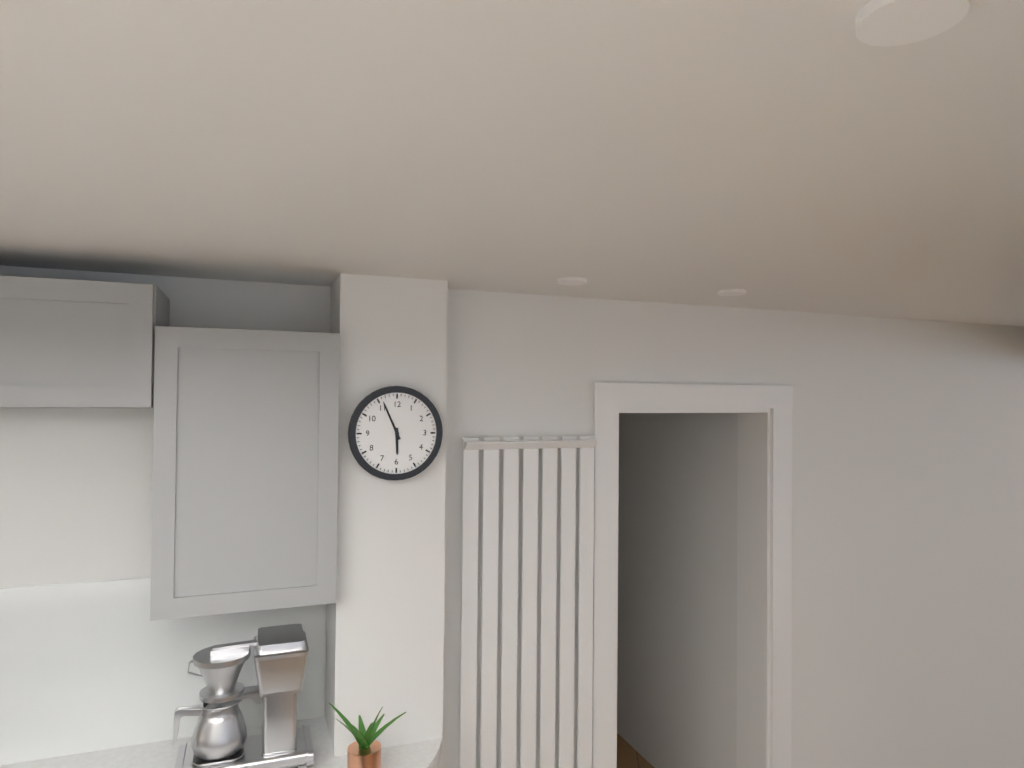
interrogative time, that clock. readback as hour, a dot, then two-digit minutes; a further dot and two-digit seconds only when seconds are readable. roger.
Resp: 5.56
